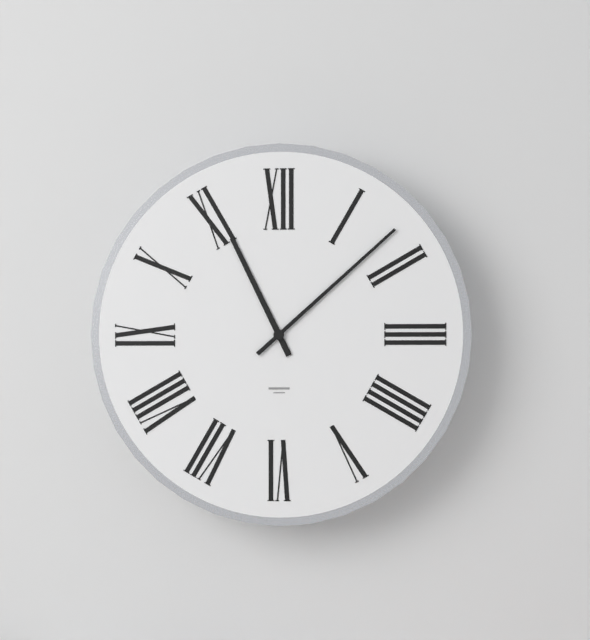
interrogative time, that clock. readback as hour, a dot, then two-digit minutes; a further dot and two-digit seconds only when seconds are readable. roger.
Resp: 11.08
